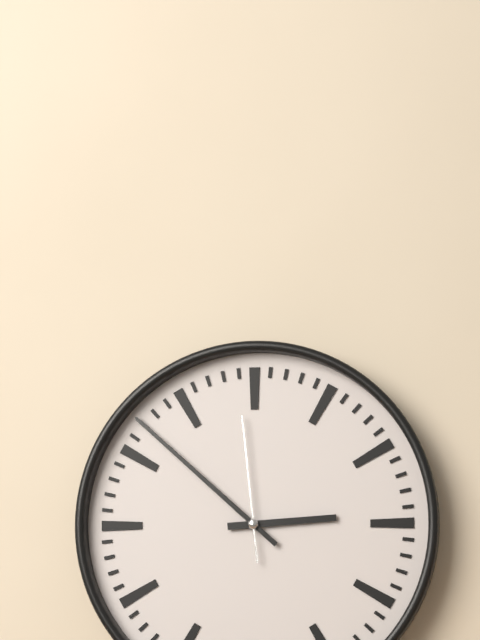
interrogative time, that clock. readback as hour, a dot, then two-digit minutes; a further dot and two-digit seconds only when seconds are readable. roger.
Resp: 2.52.59
